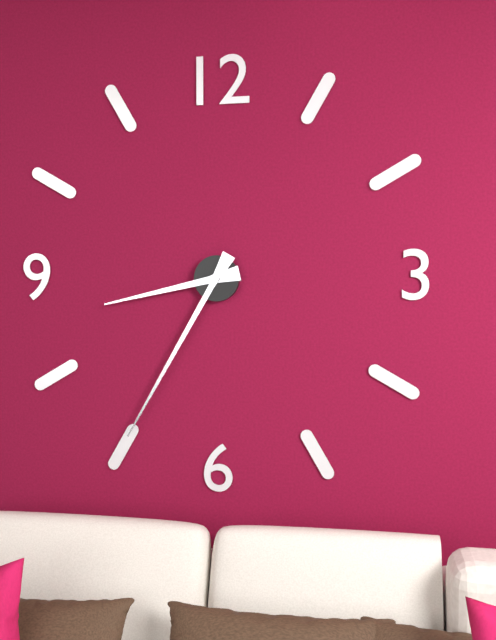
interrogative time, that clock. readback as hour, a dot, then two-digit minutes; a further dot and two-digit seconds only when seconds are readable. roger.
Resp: 8.35
